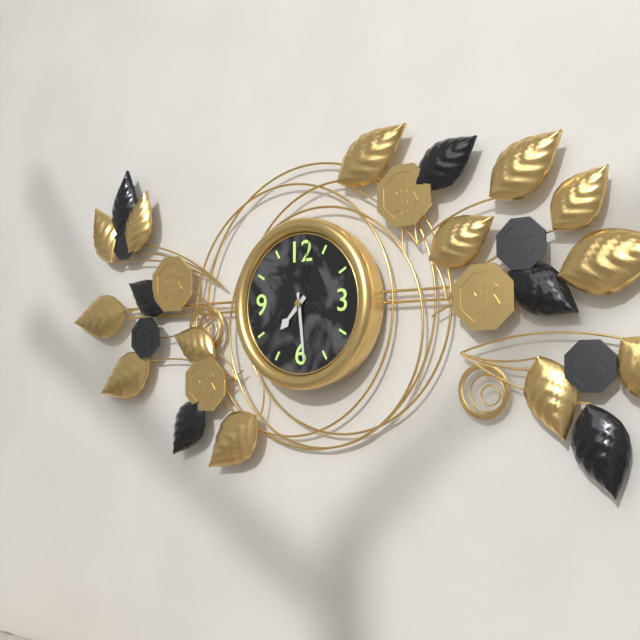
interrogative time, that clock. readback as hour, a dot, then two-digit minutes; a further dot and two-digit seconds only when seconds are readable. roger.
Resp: 7.29.02
